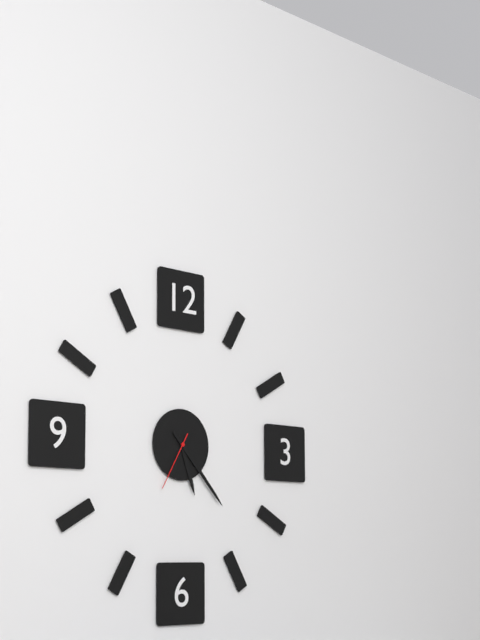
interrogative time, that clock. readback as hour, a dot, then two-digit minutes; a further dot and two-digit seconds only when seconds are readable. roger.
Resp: 5.23.35
